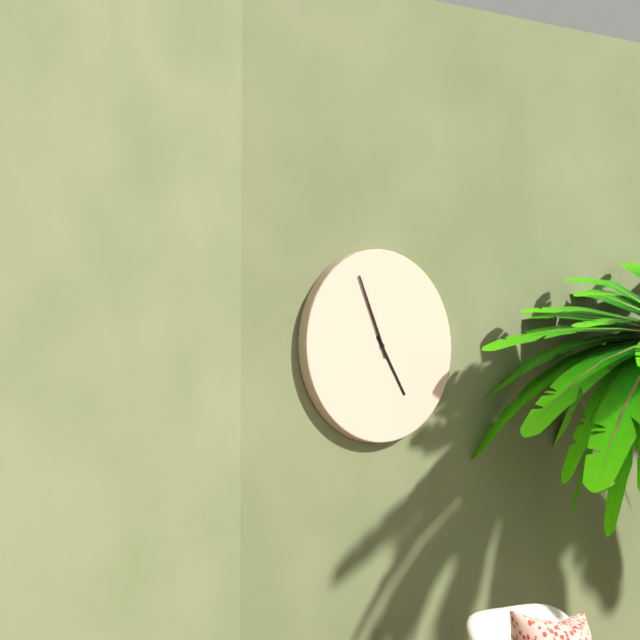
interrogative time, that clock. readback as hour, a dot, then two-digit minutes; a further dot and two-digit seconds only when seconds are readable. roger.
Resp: 4.56
